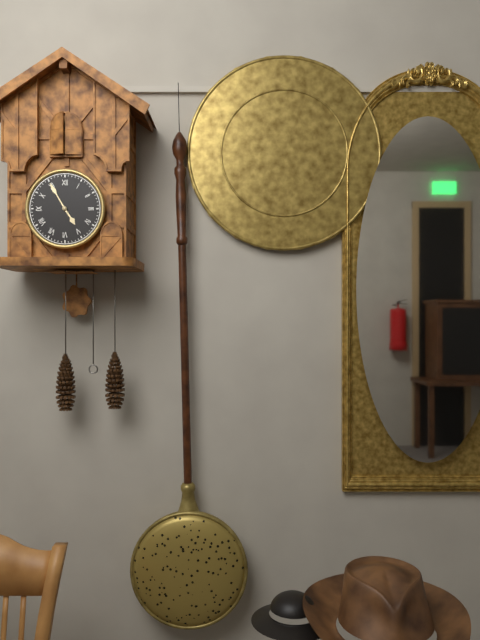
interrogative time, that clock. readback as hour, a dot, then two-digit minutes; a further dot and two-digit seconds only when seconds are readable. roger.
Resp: 4.55
